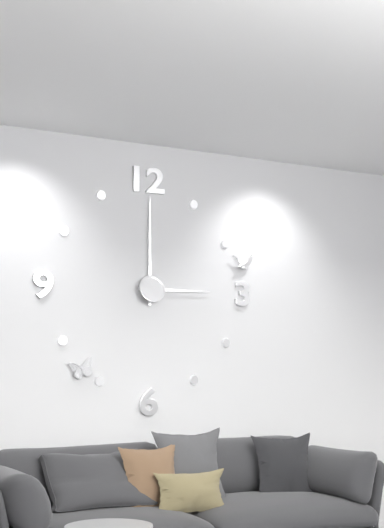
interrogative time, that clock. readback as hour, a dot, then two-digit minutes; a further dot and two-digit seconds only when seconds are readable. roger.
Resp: 3.00
